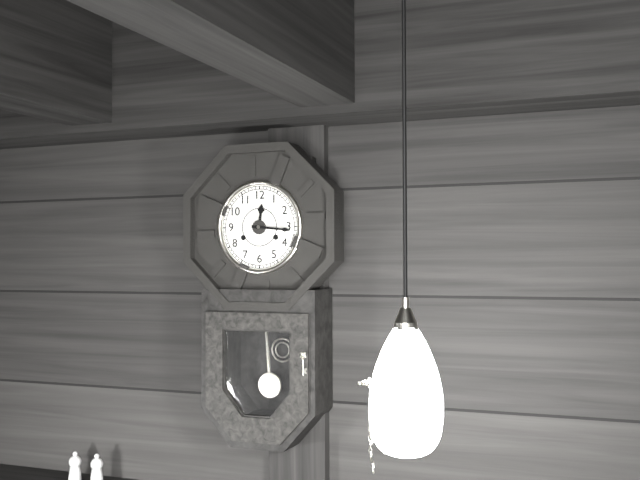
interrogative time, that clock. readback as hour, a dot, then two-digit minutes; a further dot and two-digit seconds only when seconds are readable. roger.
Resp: 12.16
